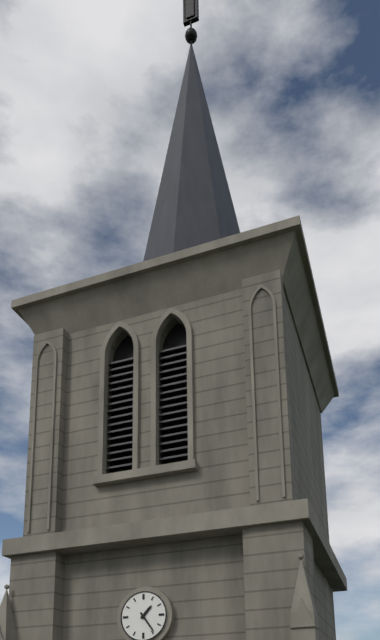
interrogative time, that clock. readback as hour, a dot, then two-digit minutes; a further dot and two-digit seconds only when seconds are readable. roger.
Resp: 1.24
